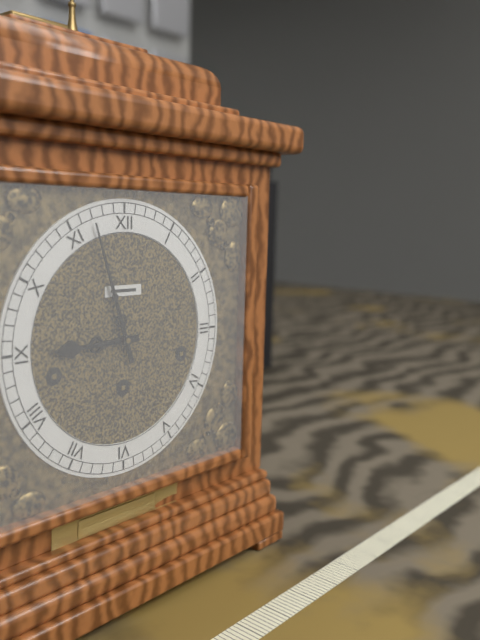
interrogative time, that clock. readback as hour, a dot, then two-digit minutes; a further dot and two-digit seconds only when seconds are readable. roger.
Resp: 8.57
